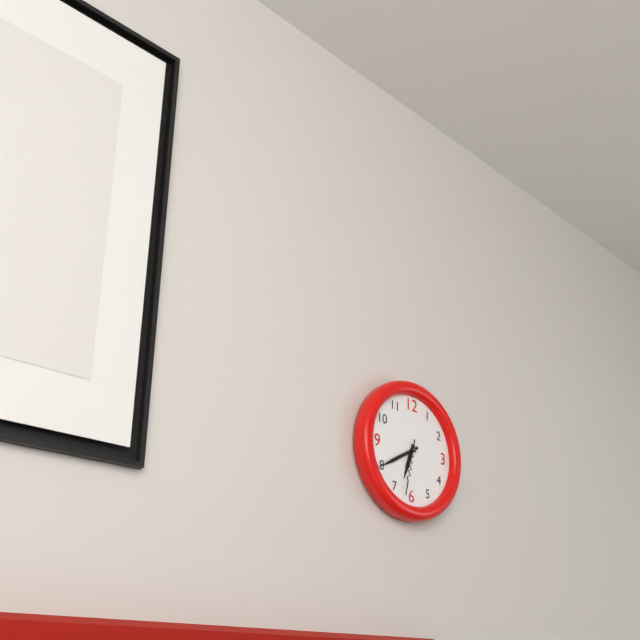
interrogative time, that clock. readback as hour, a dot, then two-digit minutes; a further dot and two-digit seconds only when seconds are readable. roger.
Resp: 6.40.32
